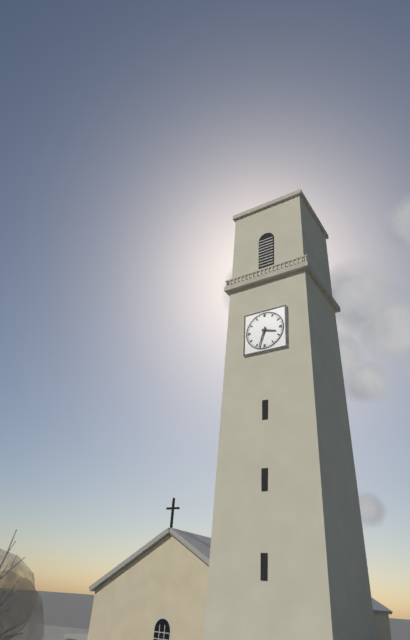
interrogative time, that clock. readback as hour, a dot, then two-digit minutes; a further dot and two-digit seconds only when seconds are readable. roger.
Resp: 3.33
